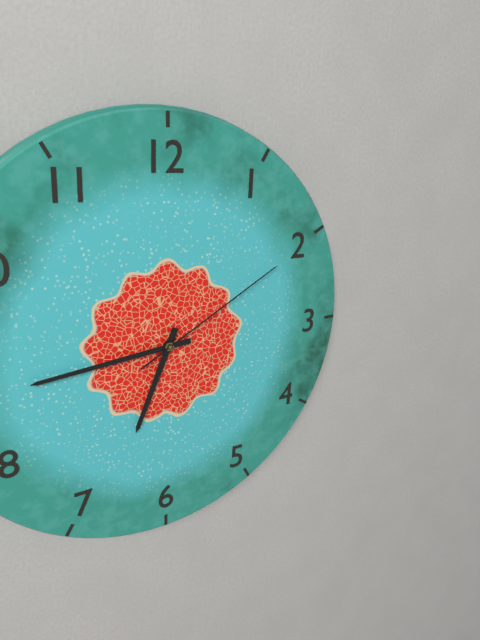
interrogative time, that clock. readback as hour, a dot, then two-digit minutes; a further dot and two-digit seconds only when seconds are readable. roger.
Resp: 6.44.10
